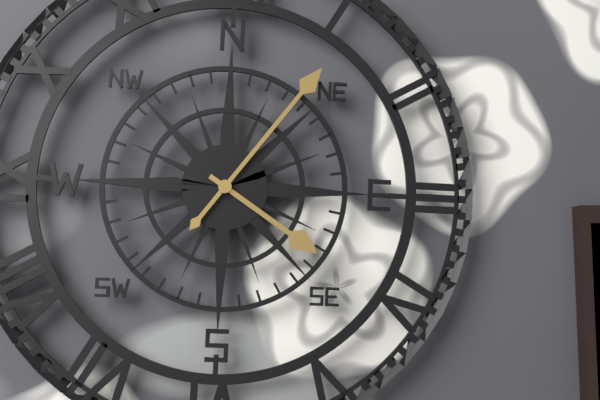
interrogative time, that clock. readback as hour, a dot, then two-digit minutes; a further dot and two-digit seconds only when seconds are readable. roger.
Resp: 4.06
